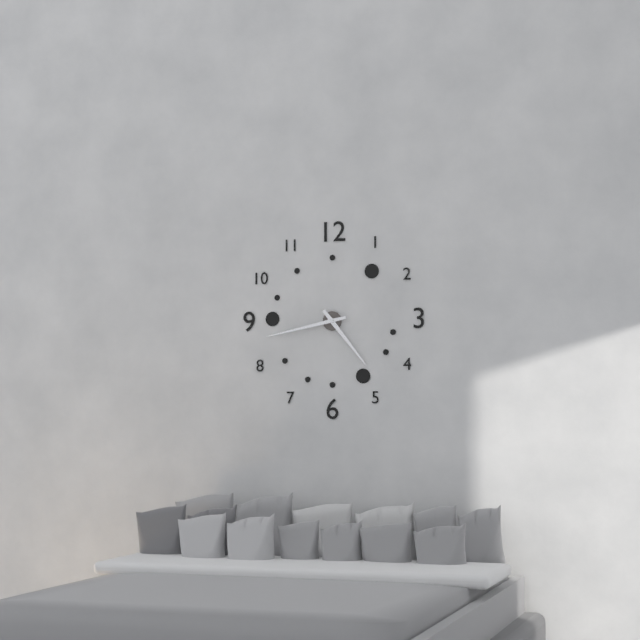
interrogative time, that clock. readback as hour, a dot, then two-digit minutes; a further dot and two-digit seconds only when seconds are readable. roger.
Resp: 4.43
